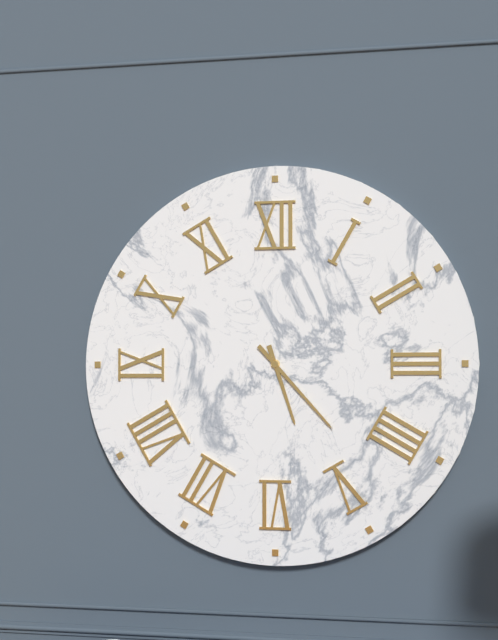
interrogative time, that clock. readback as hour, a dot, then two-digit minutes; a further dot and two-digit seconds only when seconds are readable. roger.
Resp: 5.23
